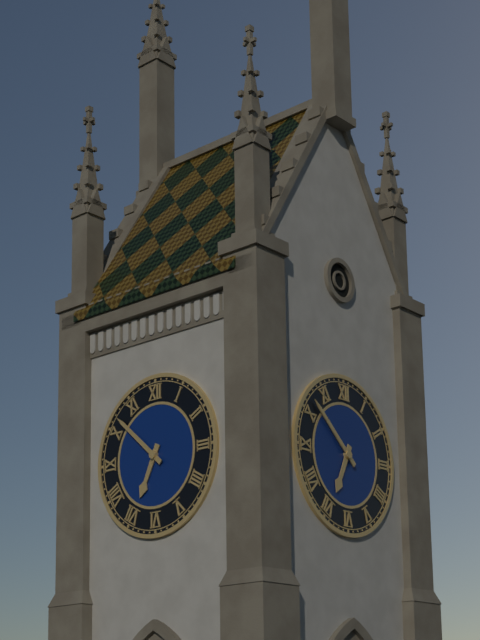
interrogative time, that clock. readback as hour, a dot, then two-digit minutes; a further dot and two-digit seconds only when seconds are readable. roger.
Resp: 6.52
